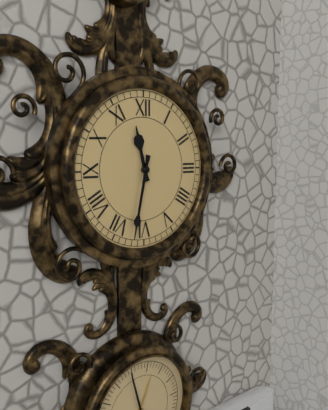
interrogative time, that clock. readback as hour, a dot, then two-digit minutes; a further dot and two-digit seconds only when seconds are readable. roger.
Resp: 11.32
